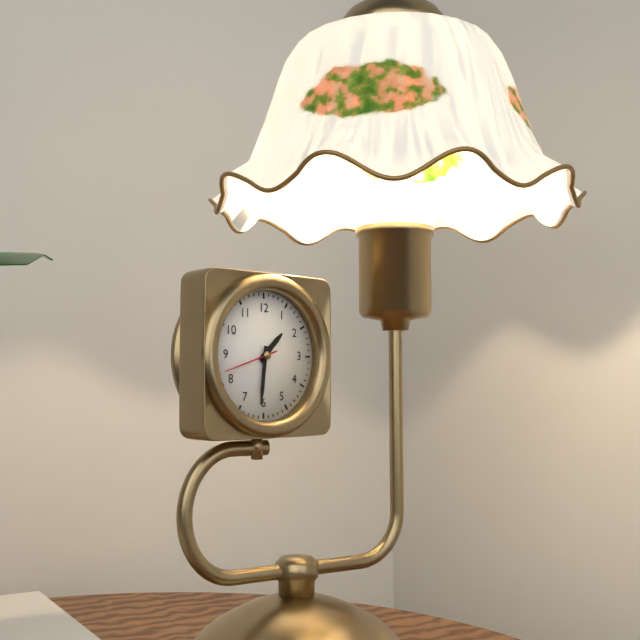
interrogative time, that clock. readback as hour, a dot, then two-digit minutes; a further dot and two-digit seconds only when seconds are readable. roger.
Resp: 1.31.42
